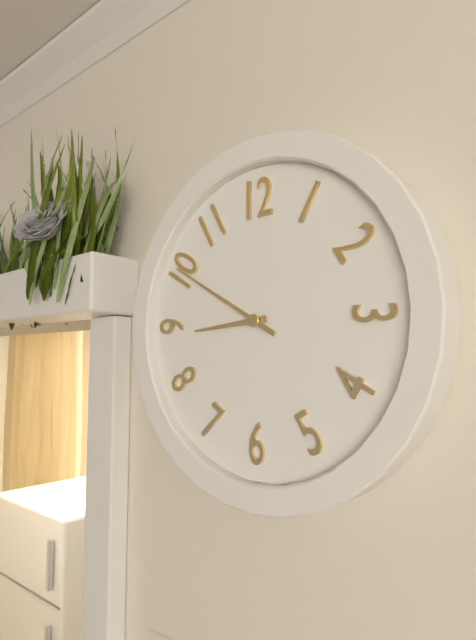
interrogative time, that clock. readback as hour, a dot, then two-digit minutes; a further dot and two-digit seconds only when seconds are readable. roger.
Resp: 8.50
